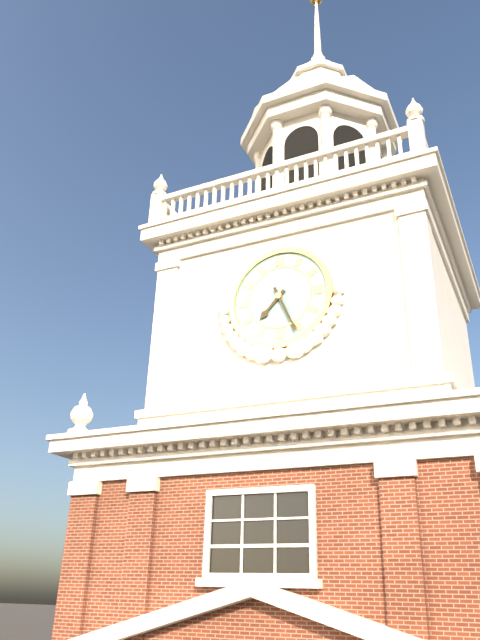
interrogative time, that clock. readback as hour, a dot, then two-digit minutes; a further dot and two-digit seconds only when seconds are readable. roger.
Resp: 7.26
